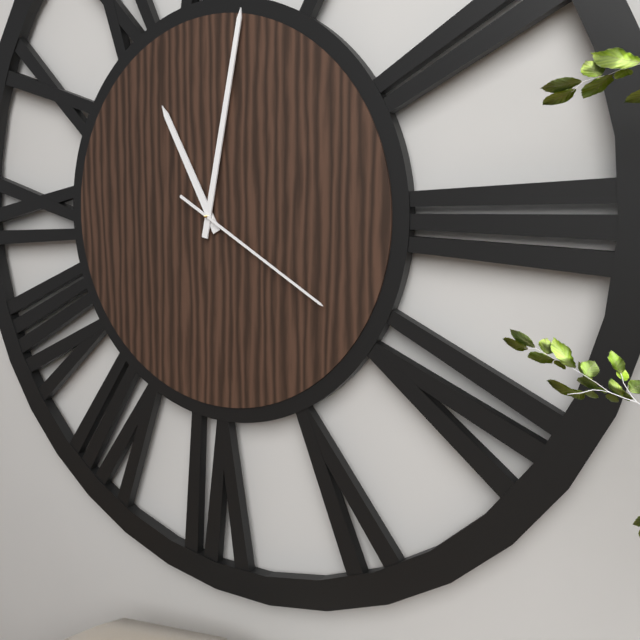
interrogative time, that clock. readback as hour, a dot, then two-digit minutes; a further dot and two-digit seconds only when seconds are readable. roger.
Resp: 11.02.20
